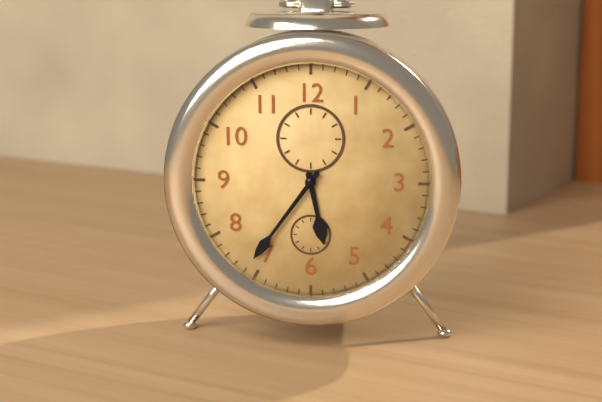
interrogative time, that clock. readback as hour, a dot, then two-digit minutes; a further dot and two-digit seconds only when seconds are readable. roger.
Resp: 5.36
